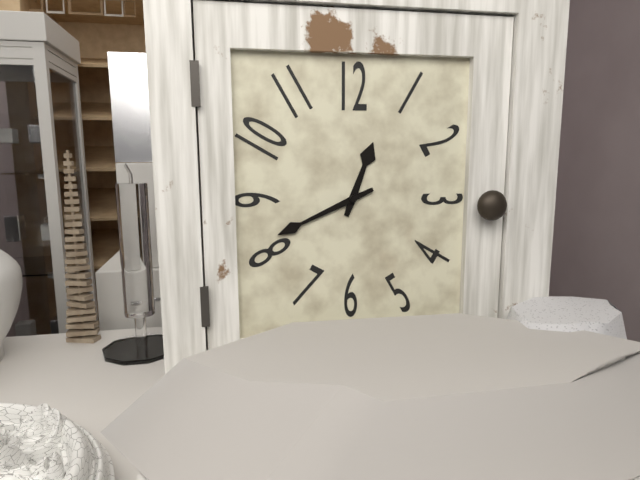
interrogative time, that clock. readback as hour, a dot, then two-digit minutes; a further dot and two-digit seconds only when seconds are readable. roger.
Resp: 12.41
